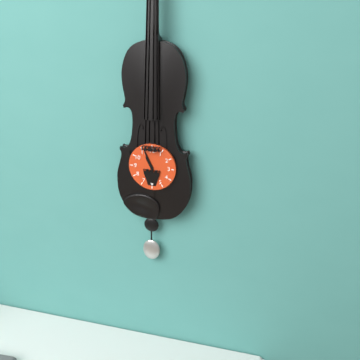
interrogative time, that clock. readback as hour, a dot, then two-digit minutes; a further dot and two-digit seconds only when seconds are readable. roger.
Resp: 10.56
